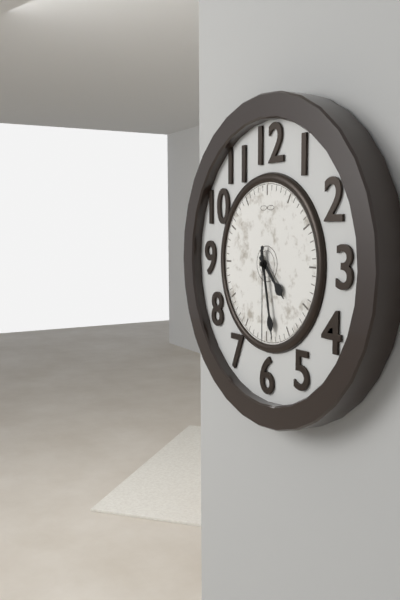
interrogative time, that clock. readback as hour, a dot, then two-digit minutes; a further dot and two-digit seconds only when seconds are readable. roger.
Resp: 4.28.30
